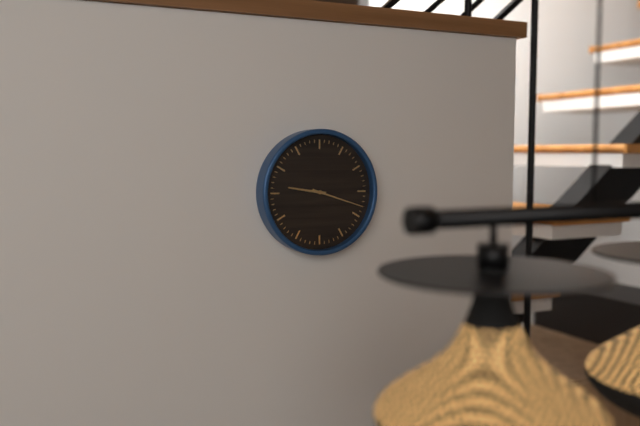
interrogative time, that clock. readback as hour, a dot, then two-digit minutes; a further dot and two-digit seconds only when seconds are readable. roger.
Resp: 9.18
